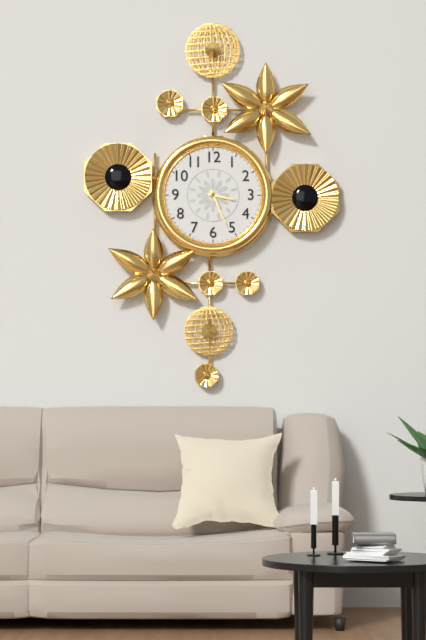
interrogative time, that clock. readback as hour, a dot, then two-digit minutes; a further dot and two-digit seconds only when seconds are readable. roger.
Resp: 3.26
